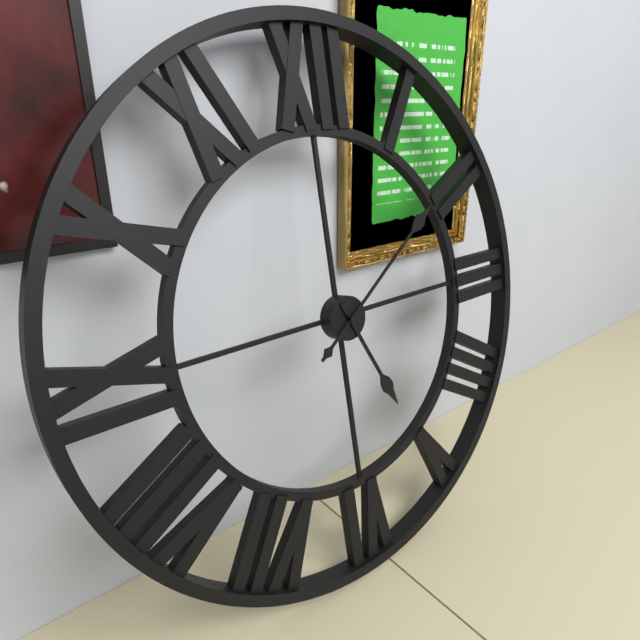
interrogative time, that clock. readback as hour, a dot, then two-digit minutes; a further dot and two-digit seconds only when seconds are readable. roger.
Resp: 5.09
